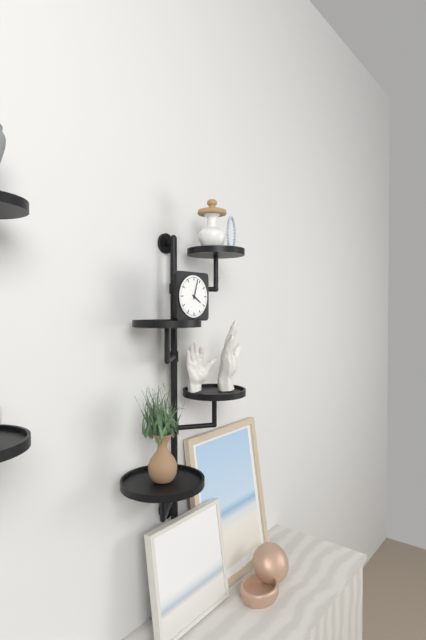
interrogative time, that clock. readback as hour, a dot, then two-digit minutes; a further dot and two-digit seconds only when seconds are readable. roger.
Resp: 4.03
